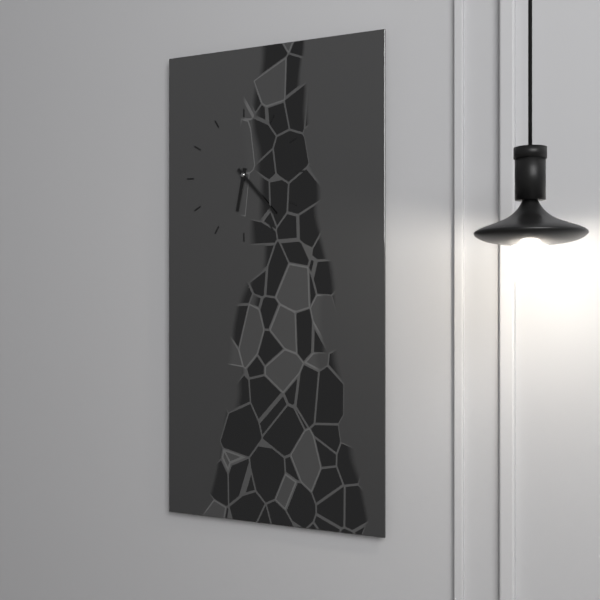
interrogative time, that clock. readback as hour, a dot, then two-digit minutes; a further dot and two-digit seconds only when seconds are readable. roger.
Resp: 6.23
